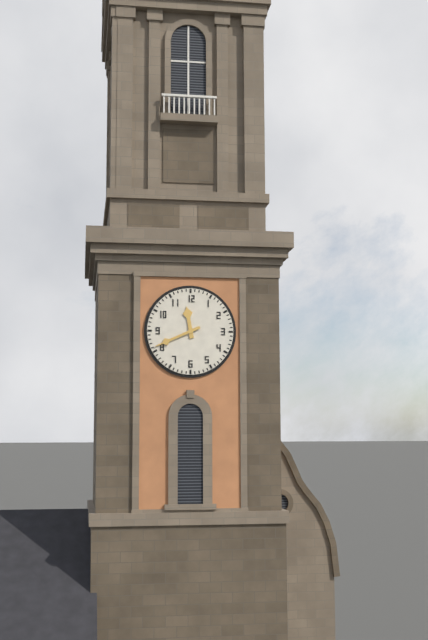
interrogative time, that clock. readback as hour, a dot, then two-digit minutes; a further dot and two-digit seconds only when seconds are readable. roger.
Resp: 11.41
